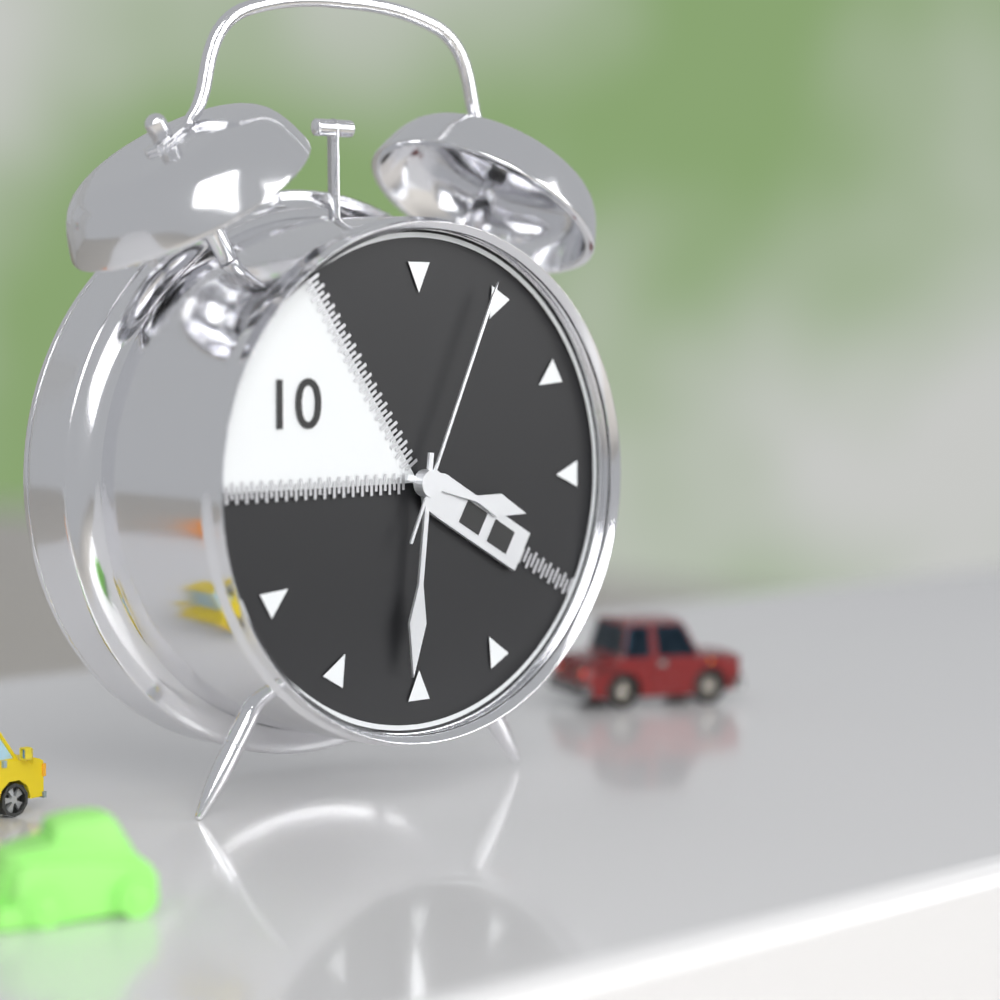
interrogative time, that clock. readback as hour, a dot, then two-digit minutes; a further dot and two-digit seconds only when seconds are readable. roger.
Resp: 3.31.04
